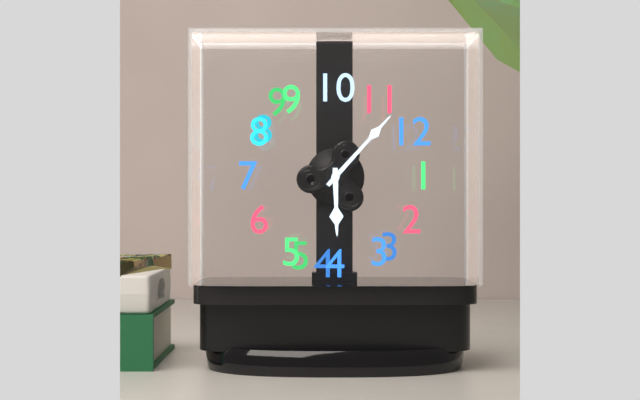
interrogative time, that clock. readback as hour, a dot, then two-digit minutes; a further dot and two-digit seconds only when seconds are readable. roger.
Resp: 3.57
